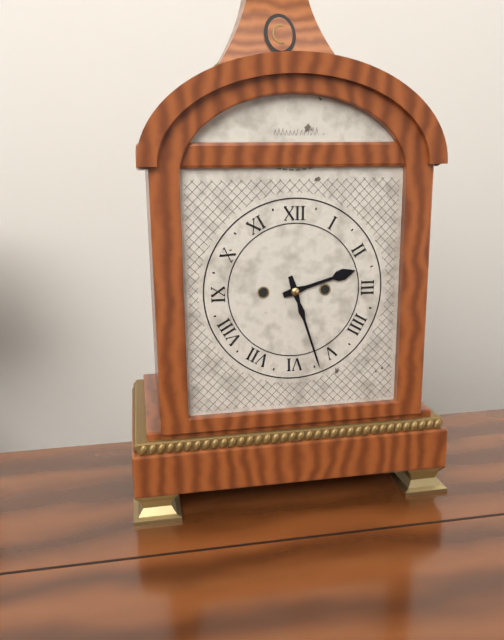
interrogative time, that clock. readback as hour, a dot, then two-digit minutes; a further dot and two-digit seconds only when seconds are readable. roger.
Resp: 2.27
